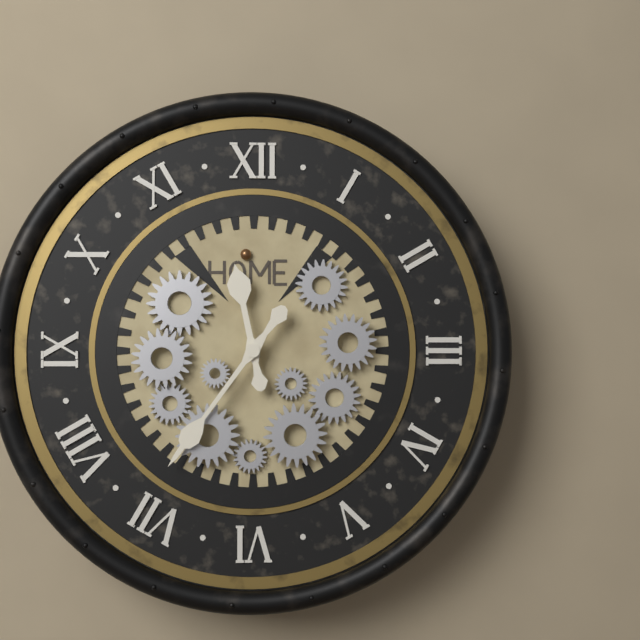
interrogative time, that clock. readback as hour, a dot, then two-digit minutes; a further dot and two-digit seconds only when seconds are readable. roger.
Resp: 11.36
